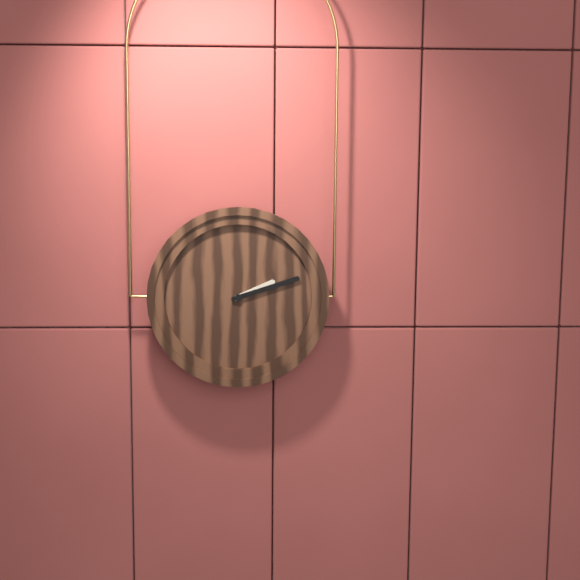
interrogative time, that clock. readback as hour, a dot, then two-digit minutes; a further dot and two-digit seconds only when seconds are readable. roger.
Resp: 2.12
